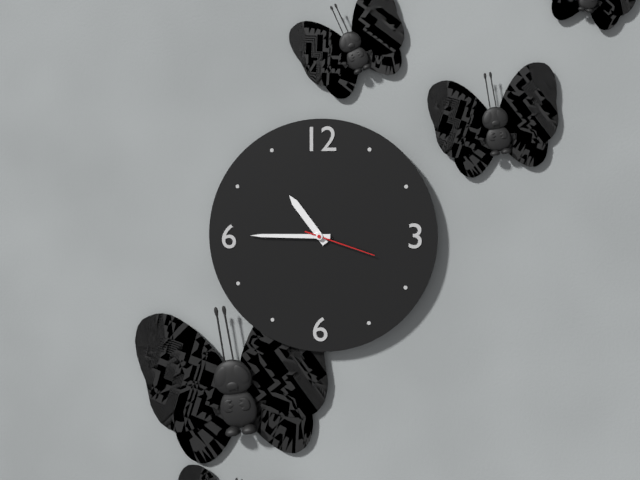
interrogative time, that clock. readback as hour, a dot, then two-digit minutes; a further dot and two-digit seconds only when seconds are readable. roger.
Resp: 10.45.18
